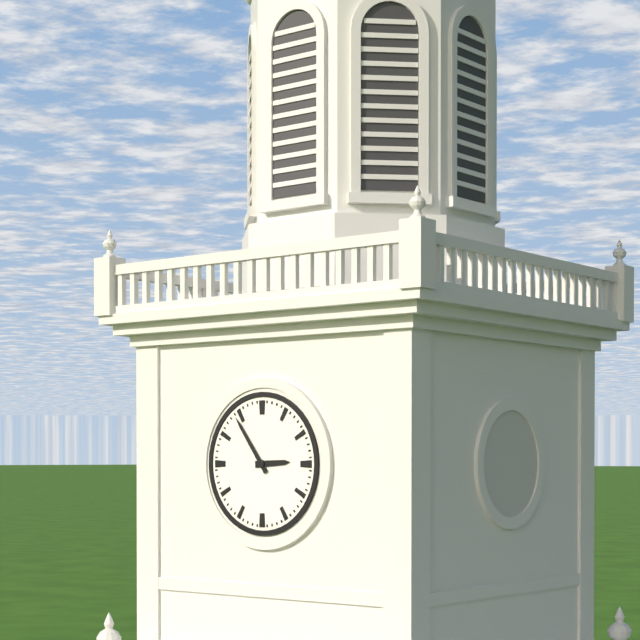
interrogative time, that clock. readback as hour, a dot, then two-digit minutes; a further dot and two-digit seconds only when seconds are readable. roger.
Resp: 2.54
